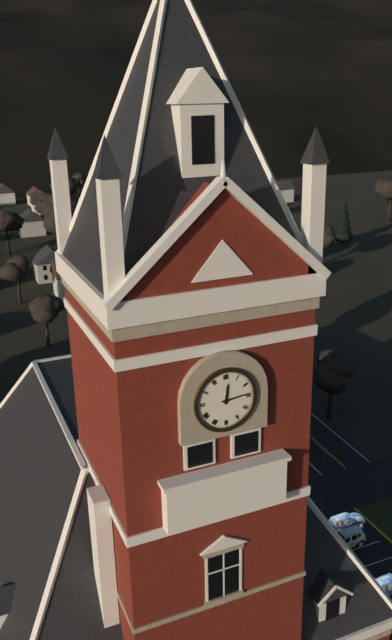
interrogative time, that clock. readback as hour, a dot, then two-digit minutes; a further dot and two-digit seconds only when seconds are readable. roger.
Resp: 12.14
